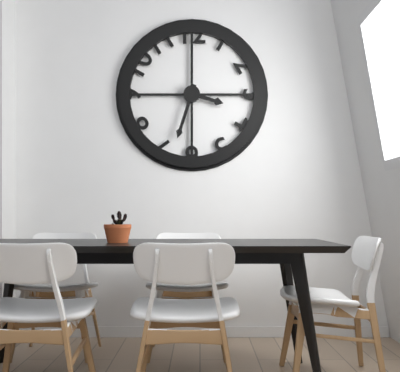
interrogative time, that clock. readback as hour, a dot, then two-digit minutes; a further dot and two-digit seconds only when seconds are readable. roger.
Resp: 3.33
